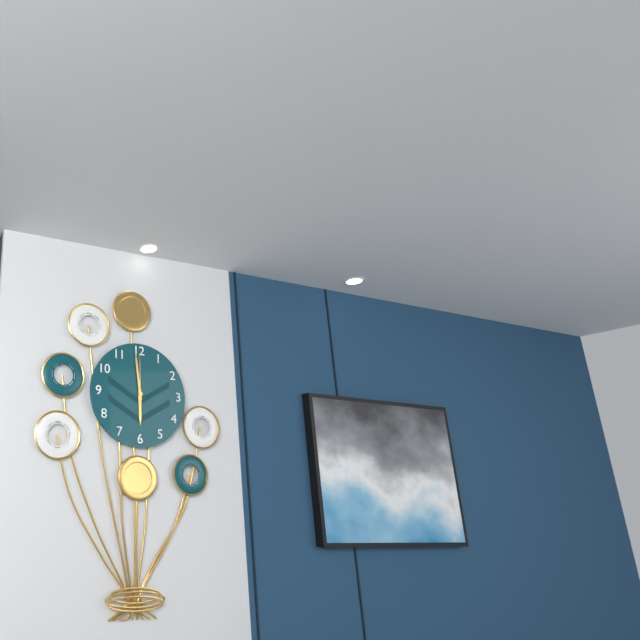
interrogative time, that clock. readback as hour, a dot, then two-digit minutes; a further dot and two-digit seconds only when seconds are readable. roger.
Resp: 5.59
